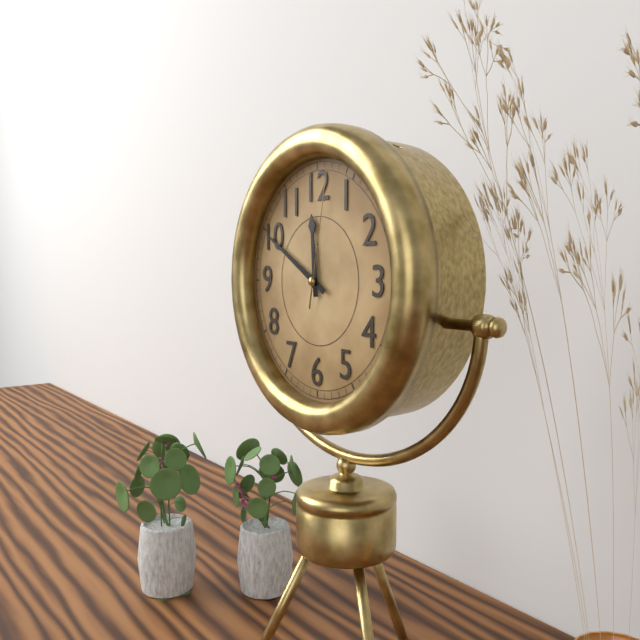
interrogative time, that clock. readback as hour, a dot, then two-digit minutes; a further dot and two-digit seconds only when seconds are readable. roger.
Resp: 11.50.02
